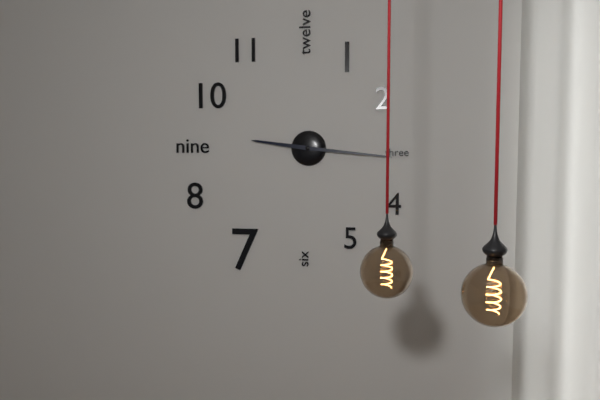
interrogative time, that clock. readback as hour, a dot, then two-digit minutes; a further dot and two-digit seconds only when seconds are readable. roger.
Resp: 9.16
